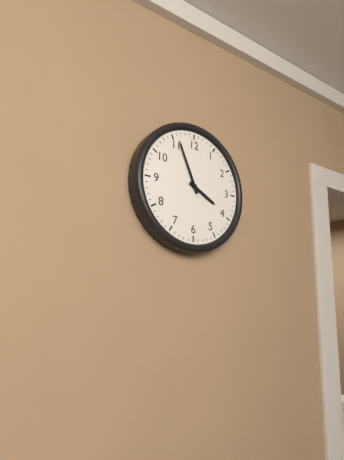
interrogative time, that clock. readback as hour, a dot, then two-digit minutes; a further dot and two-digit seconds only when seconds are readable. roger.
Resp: 3.56
